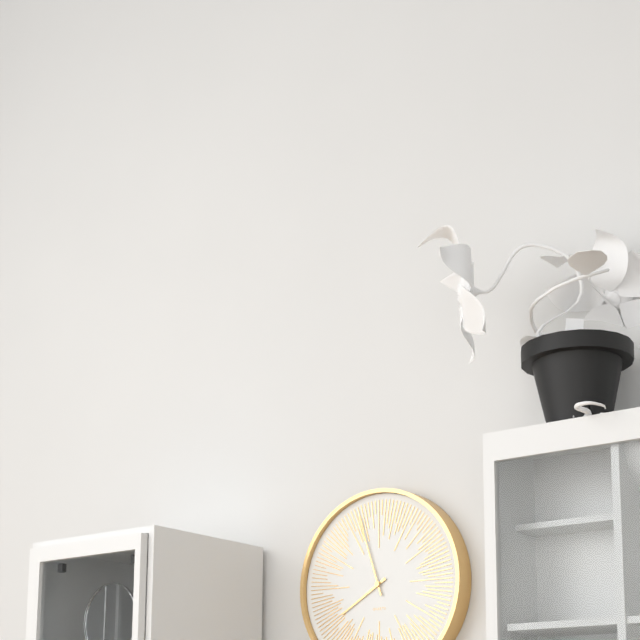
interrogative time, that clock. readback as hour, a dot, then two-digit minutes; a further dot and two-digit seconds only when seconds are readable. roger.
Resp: 7.57
